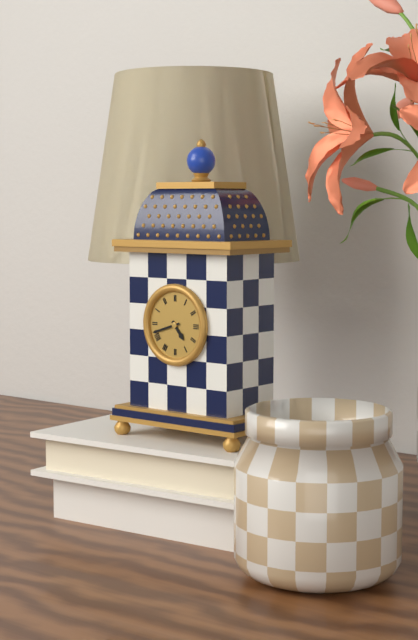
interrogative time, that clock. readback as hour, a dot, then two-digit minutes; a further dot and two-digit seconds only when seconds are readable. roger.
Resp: 4.42
